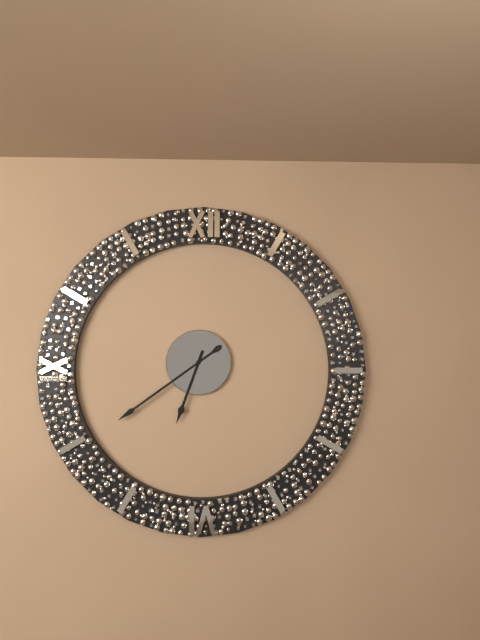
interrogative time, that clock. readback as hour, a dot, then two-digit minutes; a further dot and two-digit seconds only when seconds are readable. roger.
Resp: 6.39
